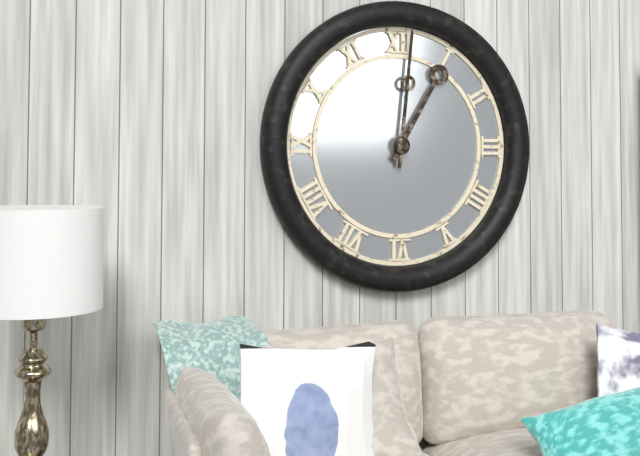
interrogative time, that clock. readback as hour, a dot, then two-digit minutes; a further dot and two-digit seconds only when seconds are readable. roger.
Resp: 1.01
